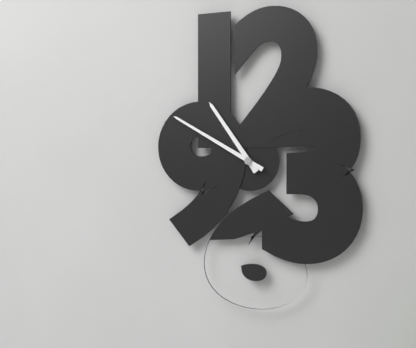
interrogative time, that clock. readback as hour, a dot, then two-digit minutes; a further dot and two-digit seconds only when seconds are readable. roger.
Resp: 10.50
